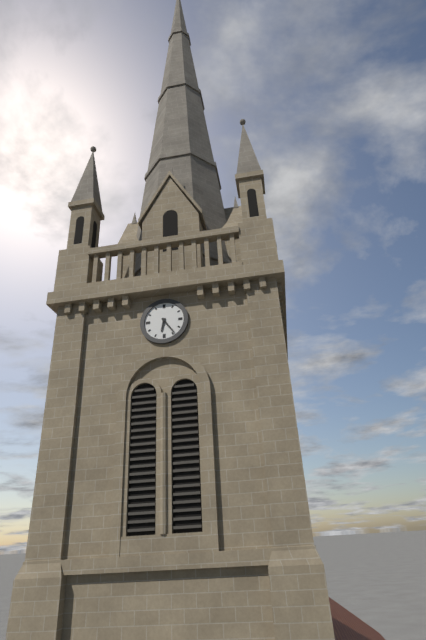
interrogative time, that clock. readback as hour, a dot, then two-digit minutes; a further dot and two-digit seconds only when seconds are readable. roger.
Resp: 6.24
